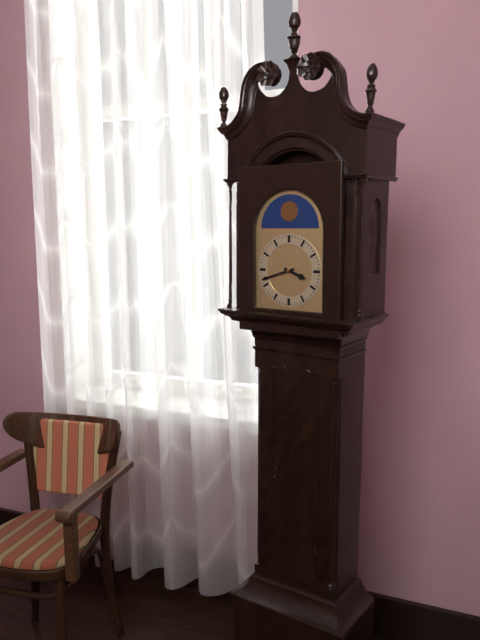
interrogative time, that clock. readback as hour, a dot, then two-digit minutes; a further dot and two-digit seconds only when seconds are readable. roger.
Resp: 3.42
